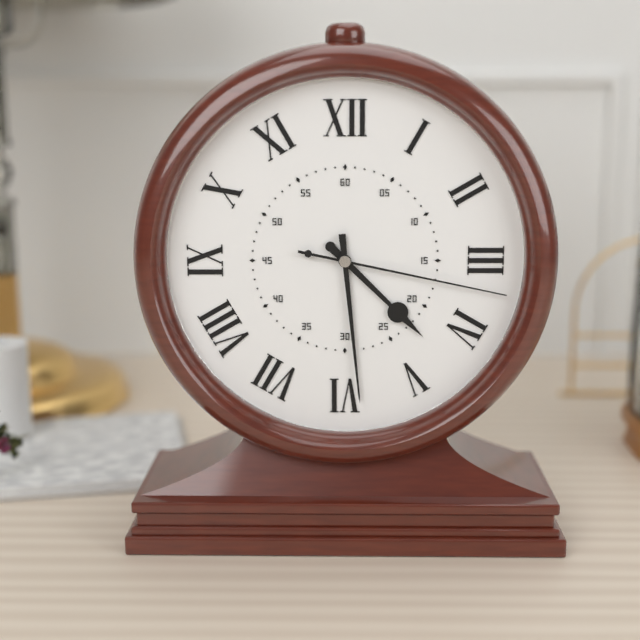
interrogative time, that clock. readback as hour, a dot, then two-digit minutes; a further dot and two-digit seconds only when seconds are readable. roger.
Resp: 4.29.17
